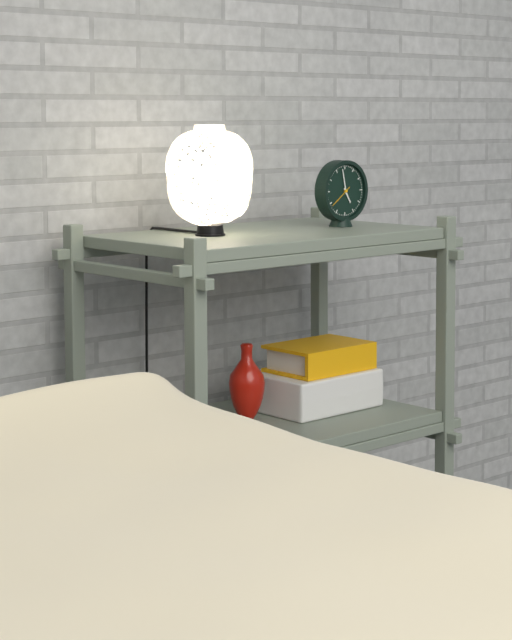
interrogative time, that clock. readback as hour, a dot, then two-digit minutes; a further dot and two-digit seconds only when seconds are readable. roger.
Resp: 4.58
